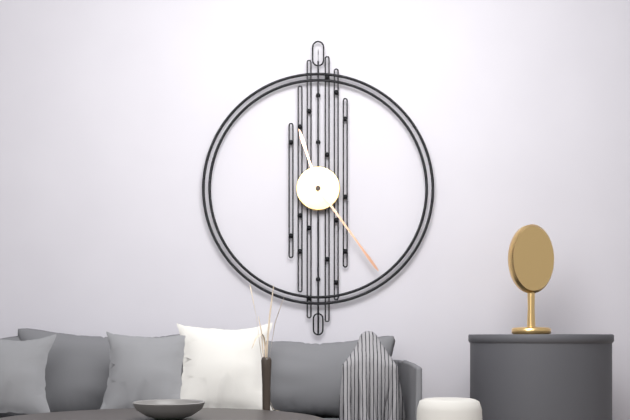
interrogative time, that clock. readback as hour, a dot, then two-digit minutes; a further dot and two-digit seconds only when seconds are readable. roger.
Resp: 11.24
